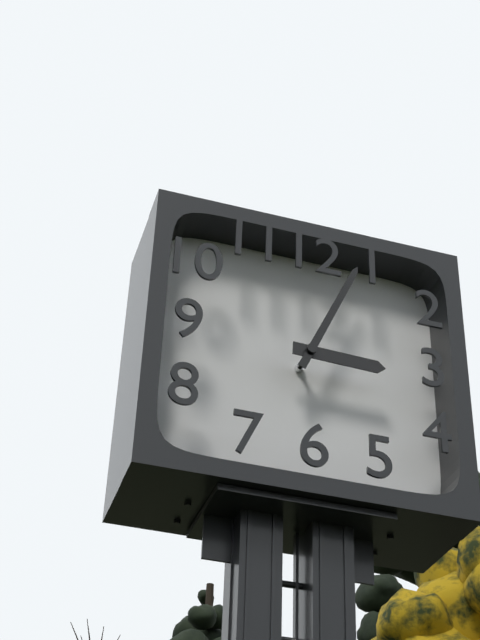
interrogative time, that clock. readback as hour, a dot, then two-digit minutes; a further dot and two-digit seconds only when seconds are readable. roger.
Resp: 3.04
